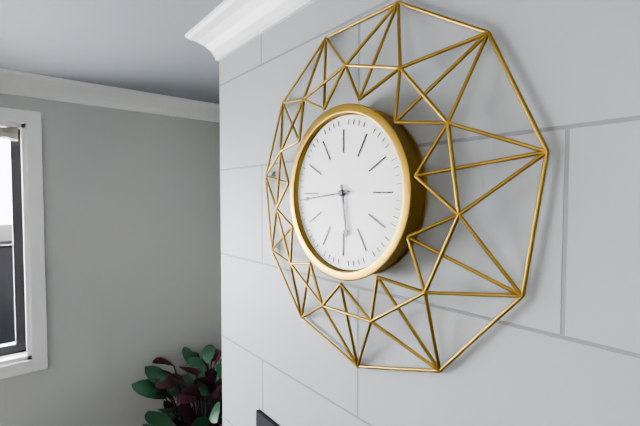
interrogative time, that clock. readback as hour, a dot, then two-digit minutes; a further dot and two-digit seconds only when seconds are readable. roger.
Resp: 5.44
